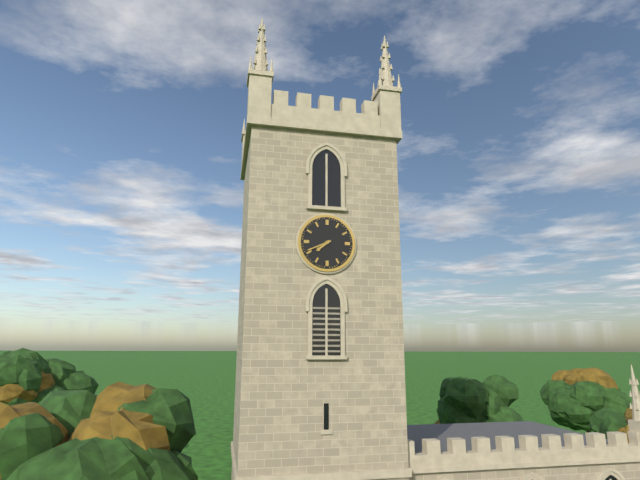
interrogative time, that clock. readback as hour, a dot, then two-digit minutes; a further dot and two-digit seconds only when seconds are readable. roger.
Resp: 7.41
